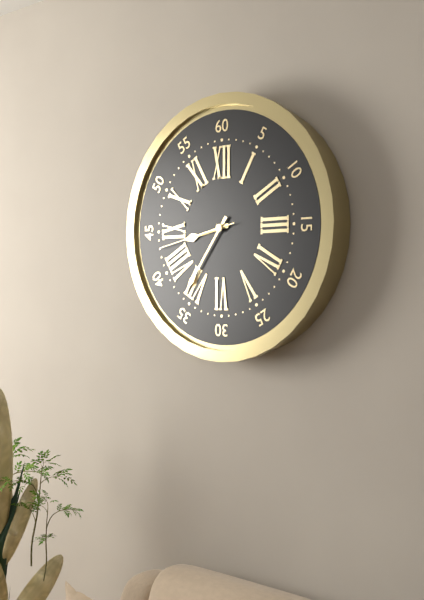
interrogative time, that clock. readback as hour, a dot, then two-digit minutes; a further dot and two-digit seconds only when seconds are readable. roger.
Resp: 8.36.43
